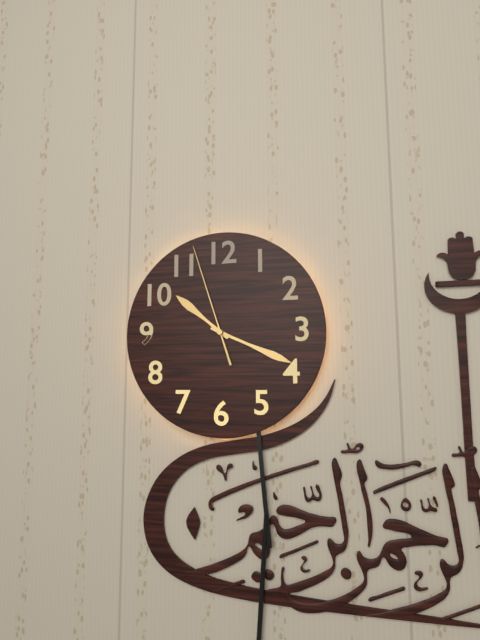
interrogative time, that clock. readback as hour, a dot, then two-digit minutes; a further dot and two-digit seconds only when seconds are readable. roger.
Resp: 10.19.57
